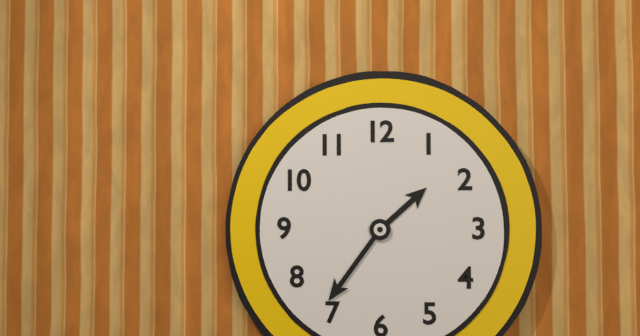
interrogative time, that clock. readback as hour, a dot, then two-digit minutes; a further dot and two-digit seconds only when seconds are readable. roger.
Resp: 1.36
